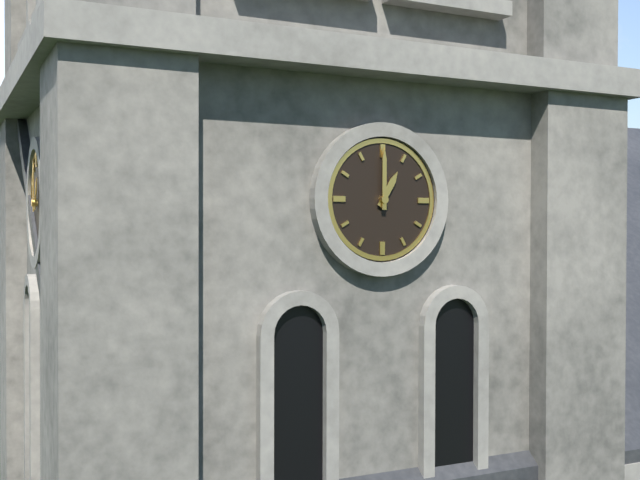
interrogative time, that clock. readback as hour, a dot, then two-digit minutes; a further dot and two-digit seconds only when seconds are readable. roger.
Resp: 1.00
